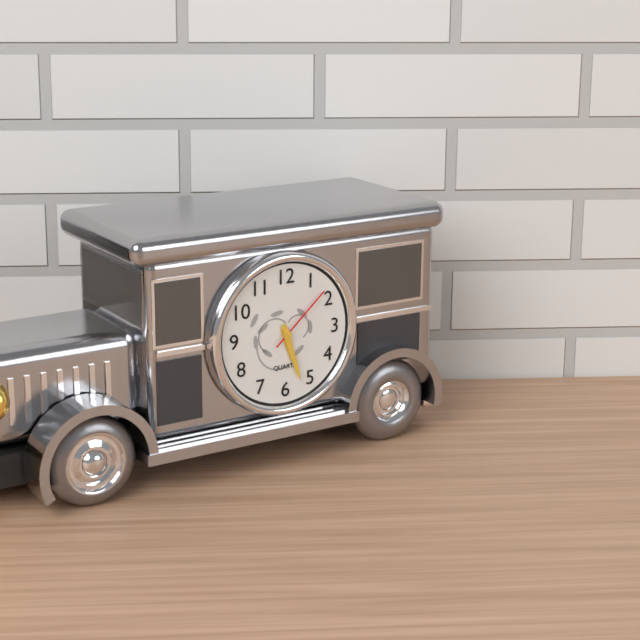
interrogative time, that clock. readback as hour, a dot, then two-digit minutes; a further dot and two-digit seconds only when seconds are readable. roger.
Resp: 5.27.08
